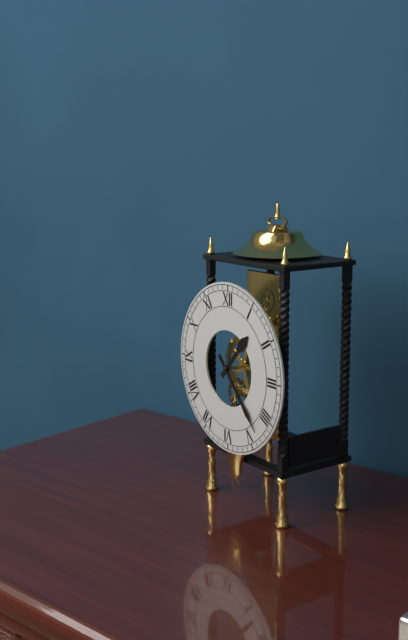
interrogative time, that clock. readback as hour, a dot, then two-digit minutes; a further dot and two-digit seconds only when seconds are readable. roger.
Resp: 1.23
